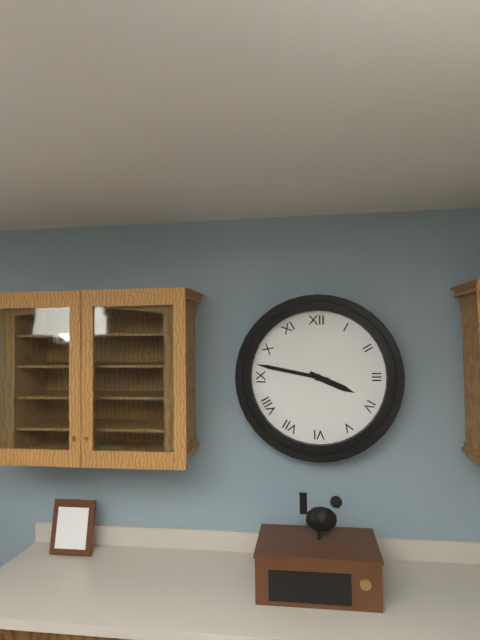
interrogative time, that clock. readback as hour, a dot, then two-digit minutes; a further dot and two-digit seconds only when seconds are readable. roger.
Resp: 3.47
